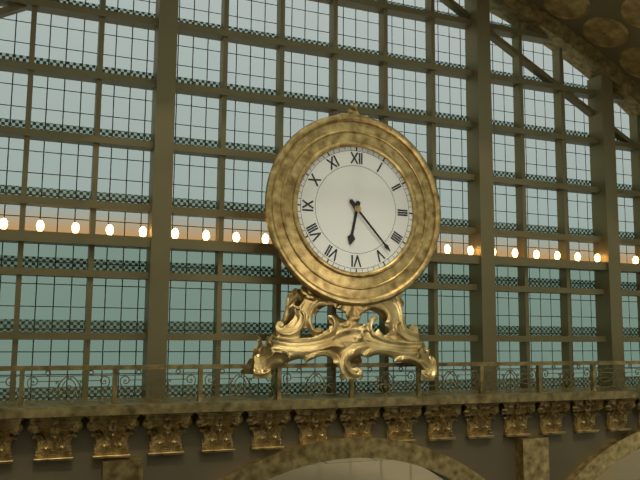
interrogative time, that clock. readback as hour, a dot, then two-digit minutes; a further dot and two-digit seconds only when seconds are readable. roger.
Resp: 6.23
